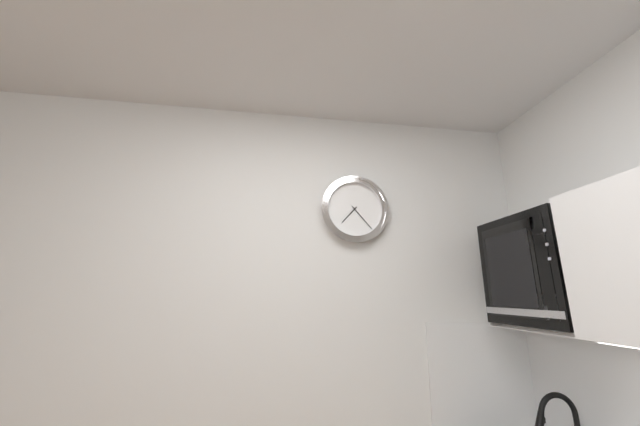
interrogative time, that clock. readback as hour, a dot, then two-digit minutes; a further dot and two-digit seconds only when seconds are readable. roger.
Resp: 7.23
